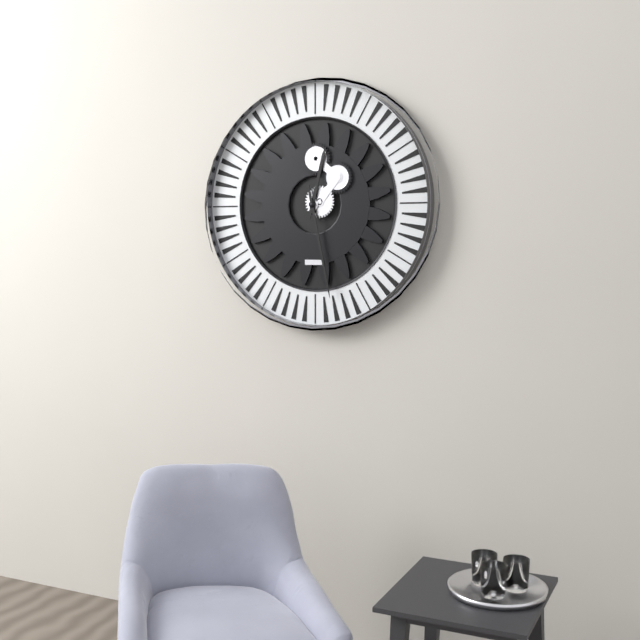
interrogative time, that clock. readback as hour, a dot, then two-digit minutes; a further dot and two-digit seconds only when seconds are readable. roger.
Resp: 12.28
